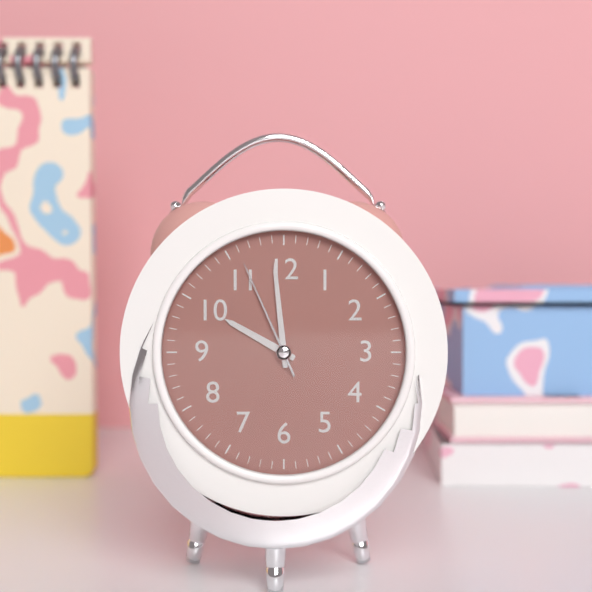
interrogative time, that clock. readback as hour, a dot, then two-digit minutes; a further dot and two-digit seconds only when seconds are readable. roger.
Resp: 9.59.56
